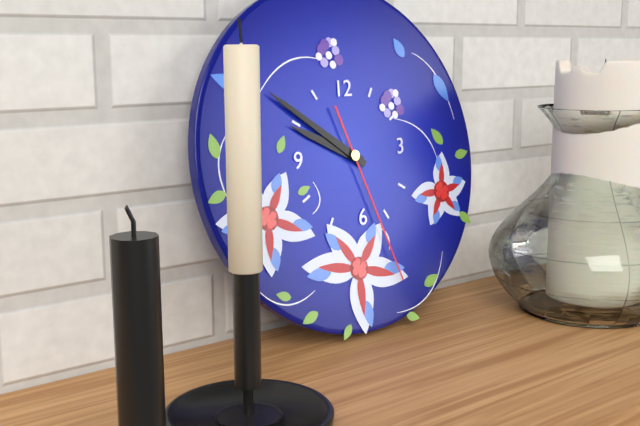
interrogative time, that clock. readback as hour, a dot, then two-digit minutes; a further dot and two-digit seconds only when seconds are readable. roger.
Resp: 9.51.27
